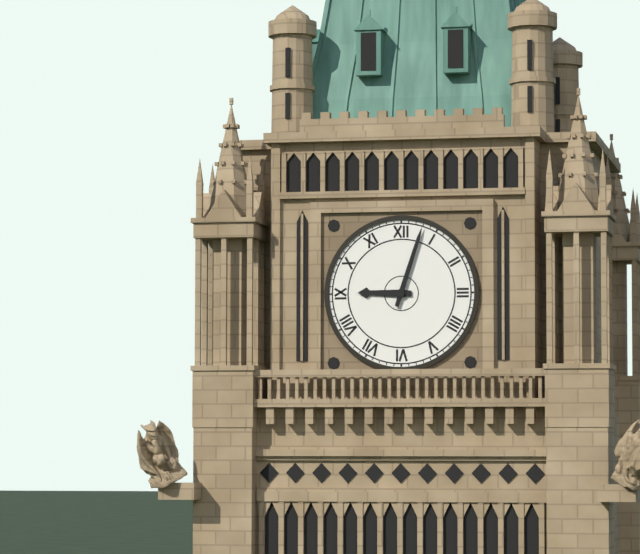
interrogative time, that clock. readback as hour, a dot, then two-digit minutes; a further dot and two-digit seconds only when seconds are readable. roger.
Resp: 9.03
